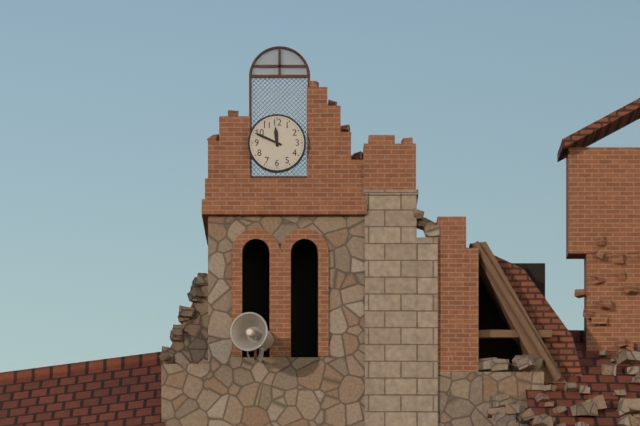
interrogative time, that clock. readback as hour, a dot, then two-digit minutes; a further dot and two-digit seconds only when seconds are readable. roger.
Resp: 11.49
